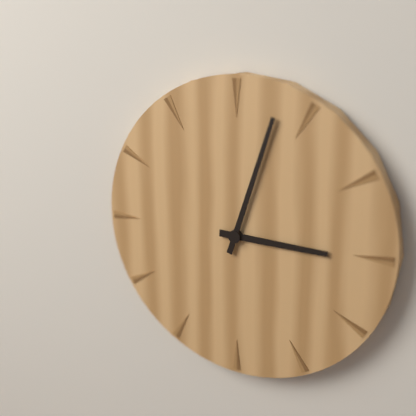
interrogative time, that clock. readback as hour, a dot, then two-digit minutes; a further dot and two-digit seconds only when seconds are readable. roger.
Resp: 3.03
